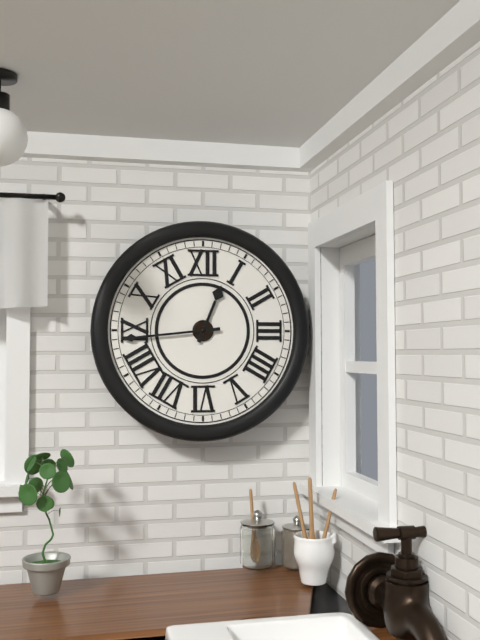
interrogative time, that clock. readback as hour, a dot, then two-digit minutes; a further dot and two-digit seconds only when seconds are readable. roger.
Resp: 12.44
